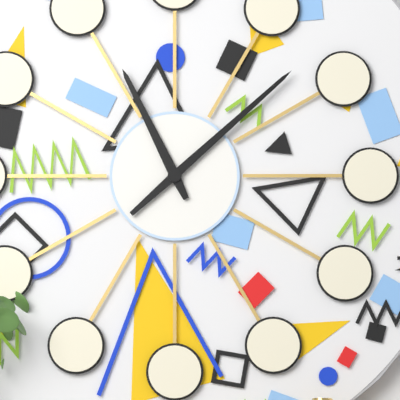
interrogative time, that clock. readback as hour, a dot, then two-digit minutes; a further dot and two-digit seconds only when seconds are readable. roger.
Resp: 11.08
